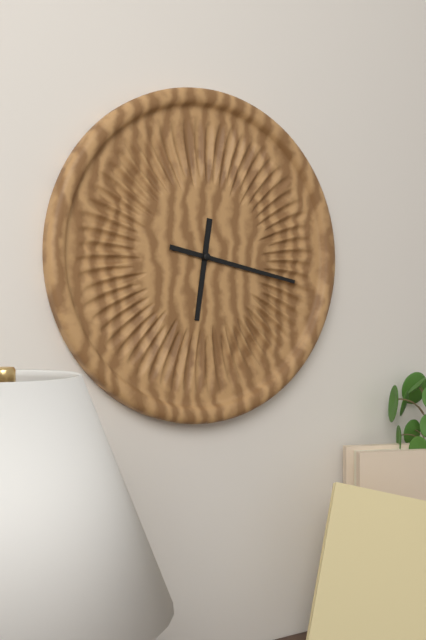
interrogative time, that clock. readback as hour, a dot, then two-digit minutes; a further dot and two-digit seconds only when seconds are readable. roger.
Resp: 6.17
